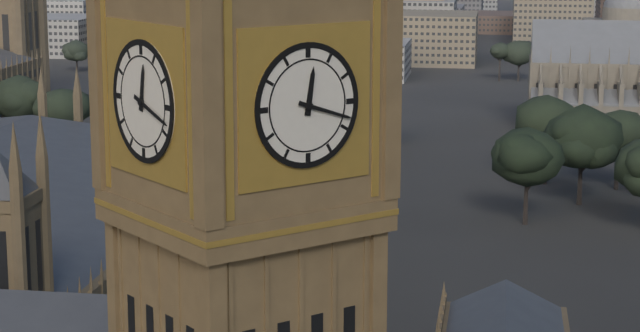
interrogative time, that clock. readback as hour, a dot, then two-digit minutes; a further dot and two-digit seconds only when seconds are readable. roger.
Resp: 12.18
